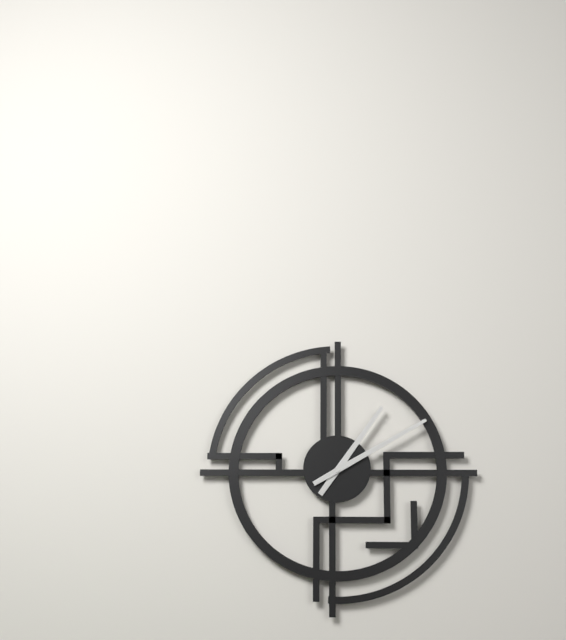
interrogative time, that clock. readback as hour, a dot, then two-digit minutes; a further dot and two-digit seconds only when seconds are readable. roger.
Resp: 1.10
